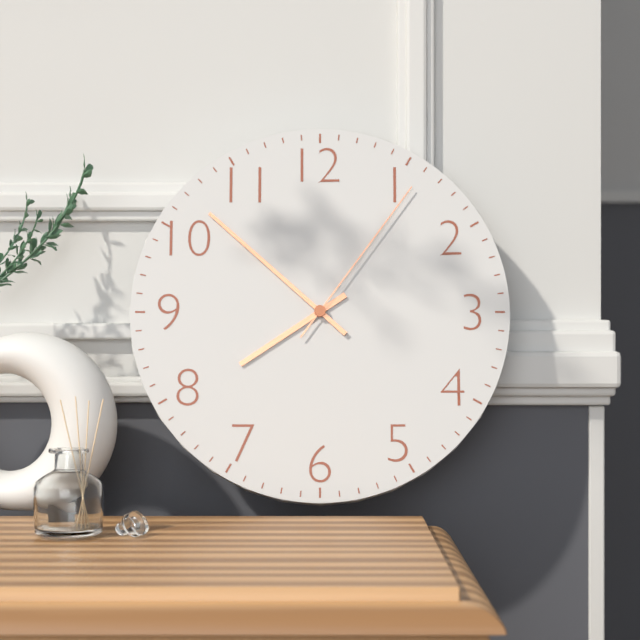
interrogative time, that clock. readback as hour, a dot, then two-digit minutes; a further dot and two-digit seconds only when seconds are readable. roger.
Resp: 7.52.06
